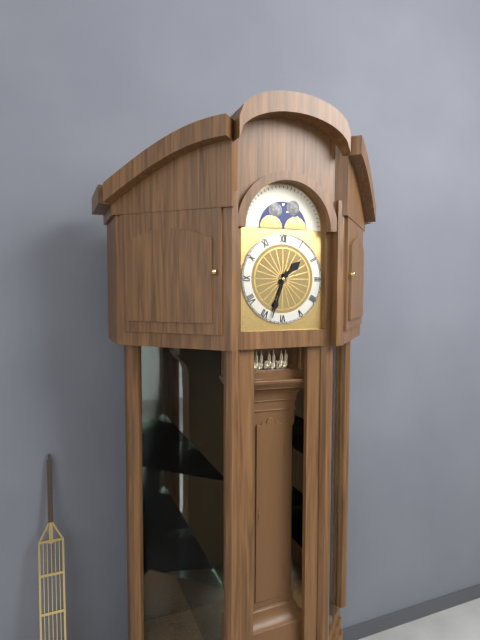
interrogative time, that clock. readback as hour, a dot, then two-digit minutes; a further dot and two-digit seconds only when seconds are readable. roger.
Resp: 1.33
